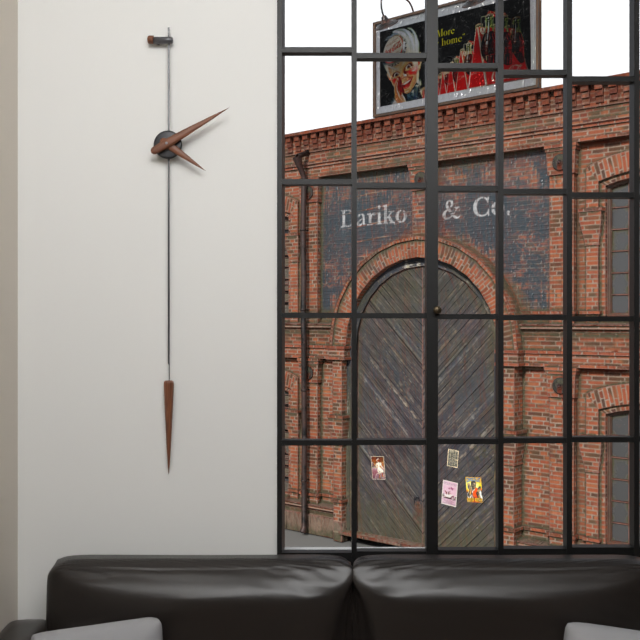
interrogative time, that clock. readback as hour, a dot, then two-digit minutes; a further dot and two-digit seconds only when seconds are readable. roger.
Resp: 4.10
